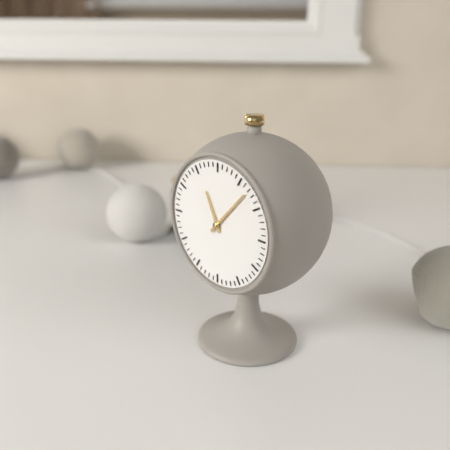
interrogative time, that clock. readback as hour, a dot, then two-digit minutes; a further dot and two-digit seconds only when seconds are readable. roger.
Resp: 11.07
